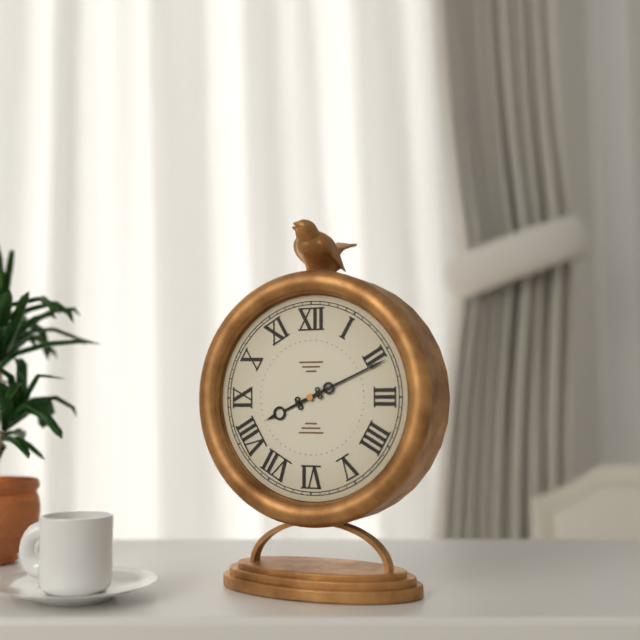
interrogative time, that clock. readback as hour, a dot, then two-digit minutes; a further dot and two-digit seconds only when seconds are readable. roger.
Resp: 8.11
